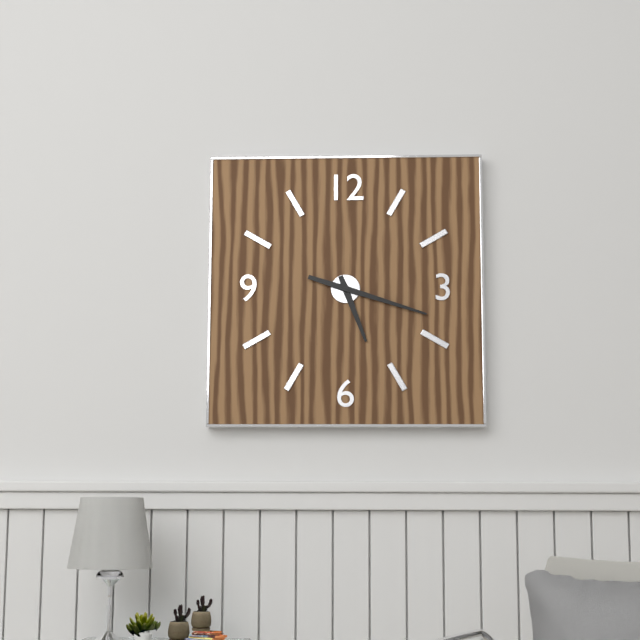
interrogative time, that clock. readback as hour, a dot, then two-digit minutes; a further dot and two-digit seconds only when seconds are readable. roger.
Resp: 5.18
